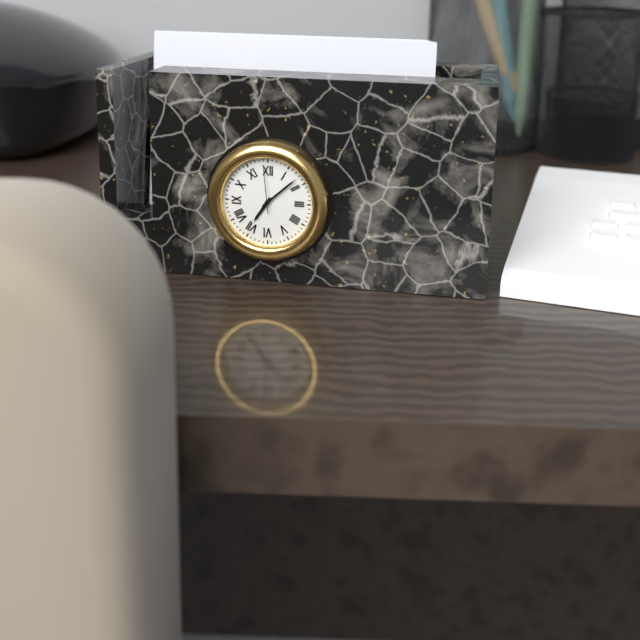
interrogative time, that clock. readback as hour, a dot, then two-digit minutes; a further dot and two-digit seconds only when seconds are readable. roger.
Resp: 7.08
